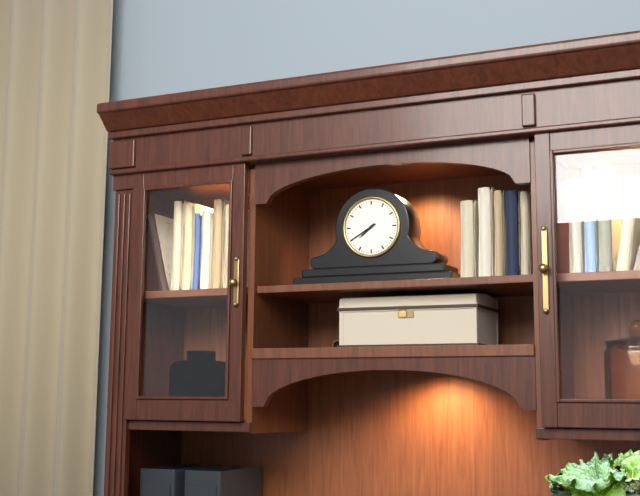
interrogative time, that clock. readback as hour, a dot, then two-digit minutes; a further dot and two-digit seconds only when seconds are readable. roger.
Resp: 7.40
